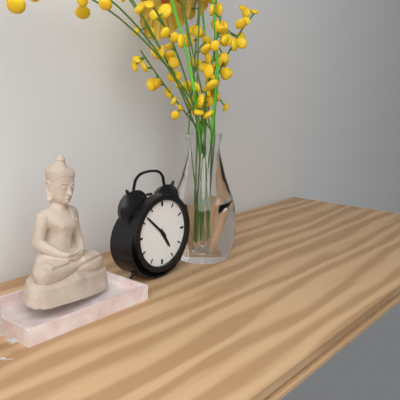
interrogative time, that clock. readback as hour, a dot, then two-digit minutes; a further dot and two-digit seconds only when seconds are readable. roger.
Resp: 4.52
